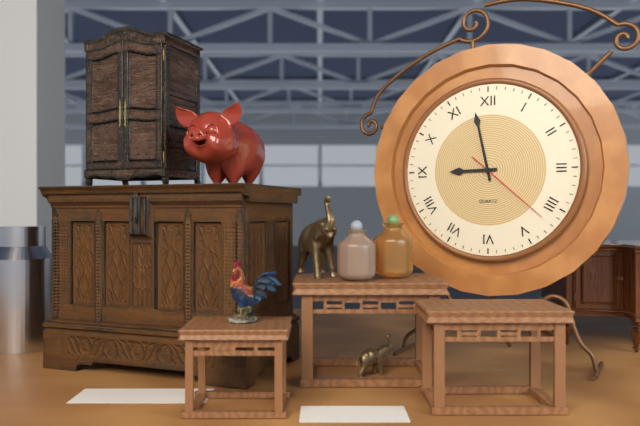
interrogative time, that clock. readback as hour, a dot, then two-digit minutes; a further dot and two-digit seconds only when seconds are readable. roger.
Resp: 8.58.22
